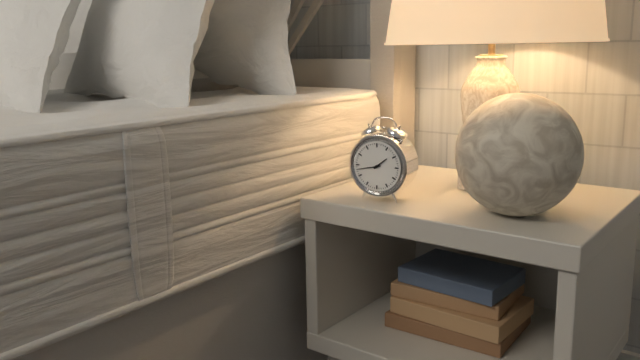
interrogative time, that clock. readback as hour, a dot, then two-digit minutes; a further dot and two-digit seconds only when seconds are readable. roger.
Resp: 1.43
